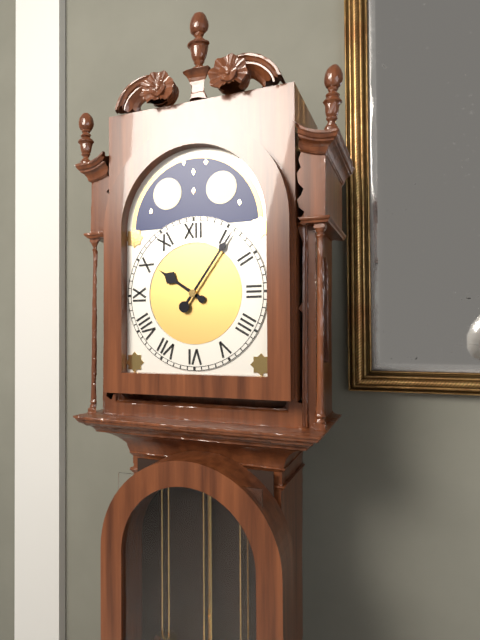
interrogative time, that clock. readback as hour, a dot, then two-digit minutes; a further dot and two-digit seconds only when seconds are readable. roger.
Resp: 10.06
